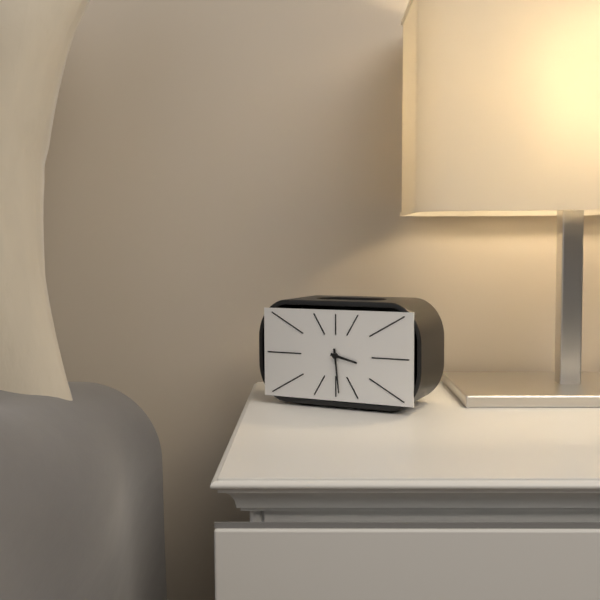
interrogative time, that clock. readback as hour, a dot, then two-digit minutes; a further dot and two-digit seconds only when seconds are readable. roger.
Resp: 3.29
